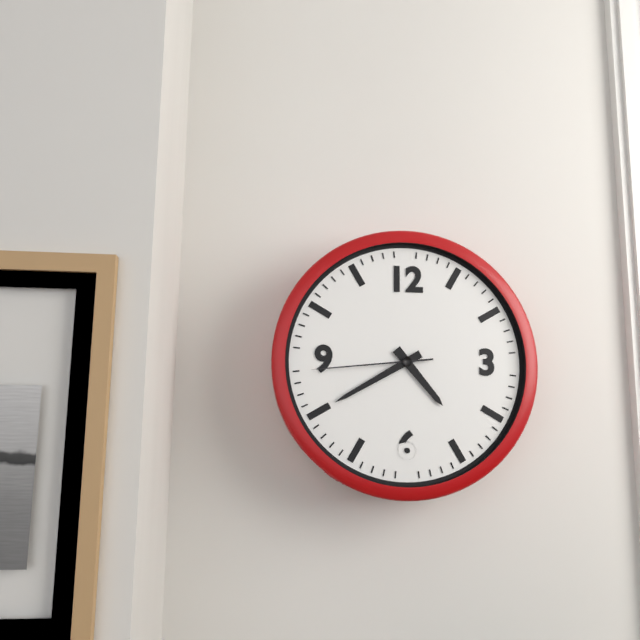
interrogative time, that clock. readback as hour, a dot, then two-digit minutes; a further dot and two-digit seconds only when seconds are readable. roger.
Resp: 4.40.44
